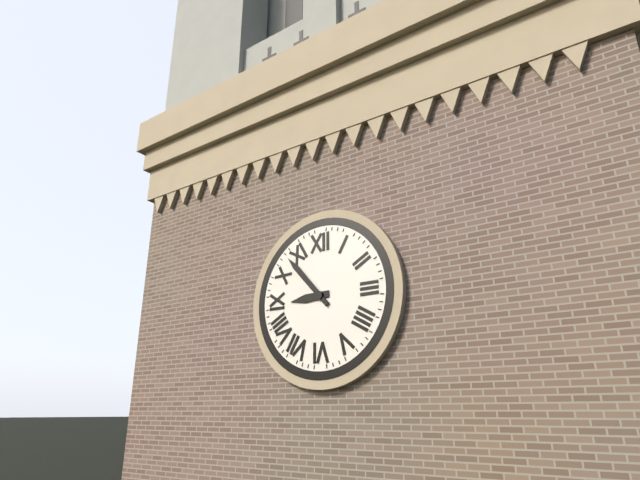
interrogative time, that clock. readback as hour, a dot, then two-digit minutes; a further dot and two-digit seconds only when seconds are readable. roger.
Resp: 8.53
